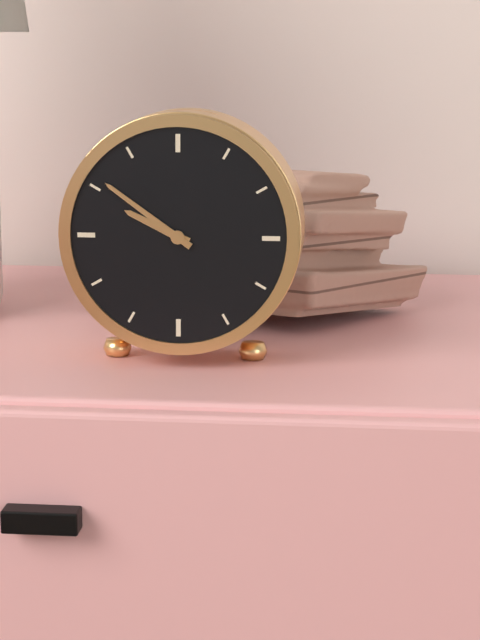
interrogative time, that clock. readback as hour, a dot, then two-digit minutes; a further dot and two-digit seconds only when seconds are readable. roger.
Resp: 9.51
